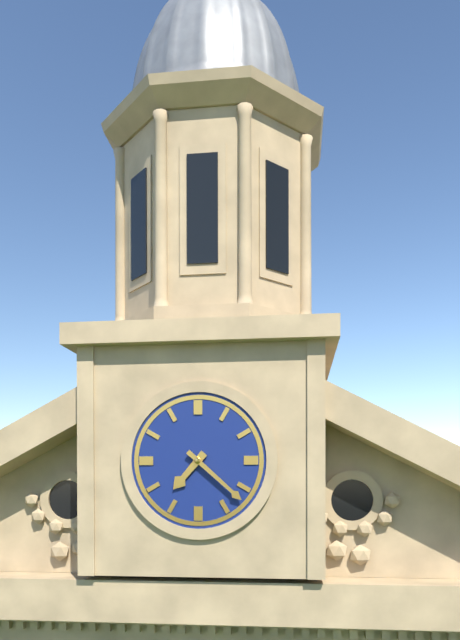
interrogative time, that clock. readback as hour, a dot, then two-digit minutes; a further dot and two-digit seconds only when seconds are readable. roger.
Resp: 7.22
